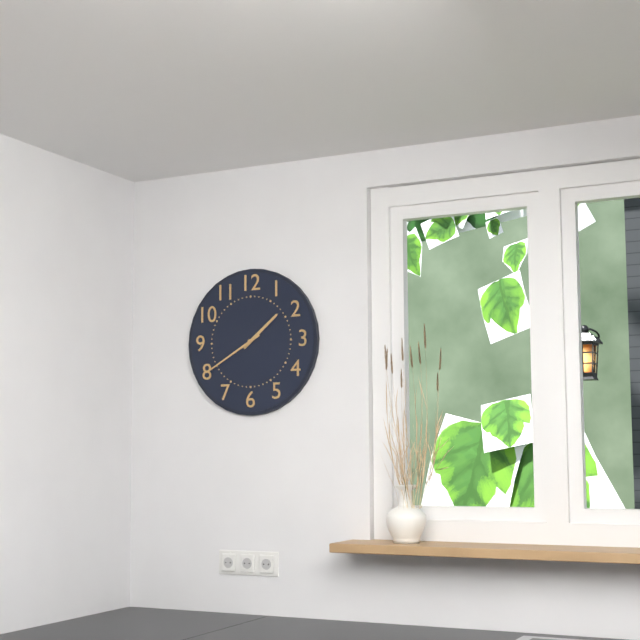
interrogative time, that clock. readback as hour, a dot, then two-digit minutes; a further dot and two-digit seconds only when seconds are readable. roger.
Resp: 1.40
